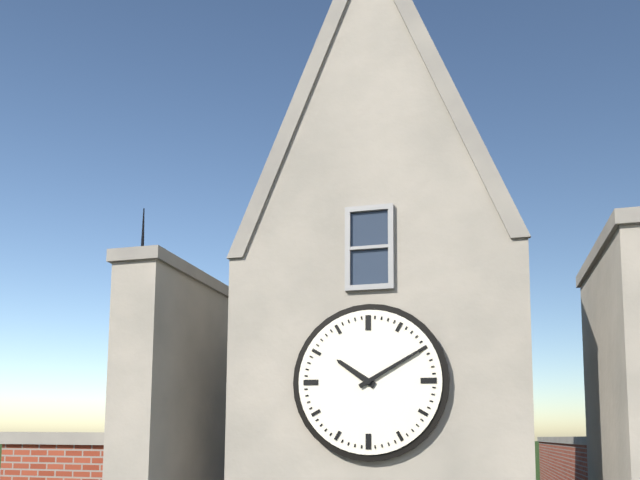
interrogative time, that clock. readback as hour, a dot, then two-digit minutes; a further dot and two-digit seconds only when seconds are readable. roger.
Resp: 10.10
